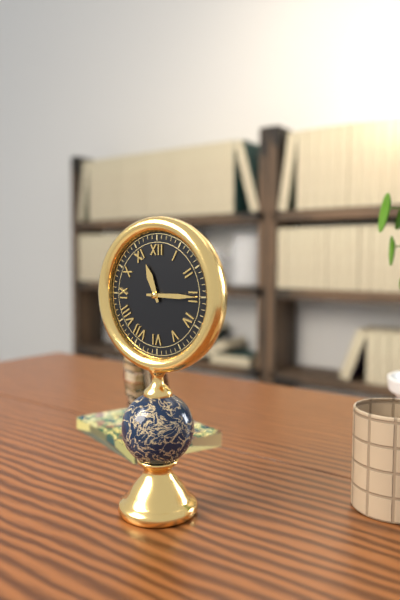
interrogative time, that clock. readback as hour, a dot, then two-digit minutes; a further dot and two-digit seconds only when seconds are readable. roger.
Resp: 11.15
